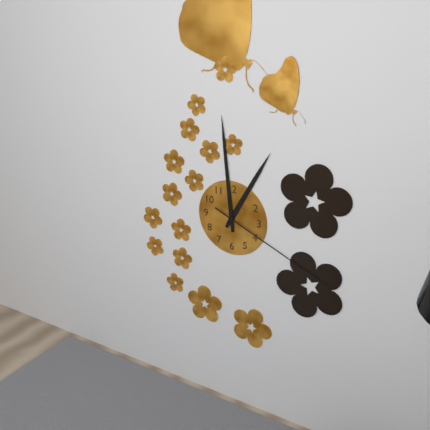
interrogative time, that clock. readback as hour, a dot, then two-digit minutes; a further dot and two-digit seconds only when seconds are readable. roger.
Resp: 12.59.19
